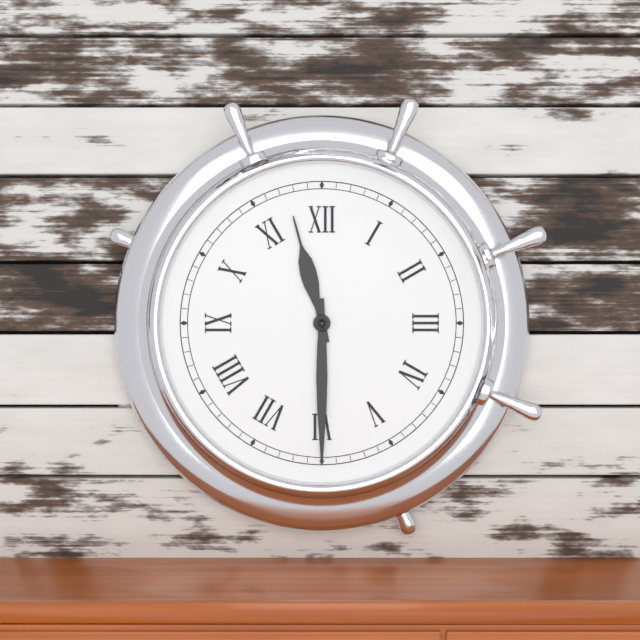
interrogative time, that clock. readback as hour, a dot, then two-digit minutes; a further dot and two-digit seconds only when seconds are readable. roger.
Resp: 11.30
